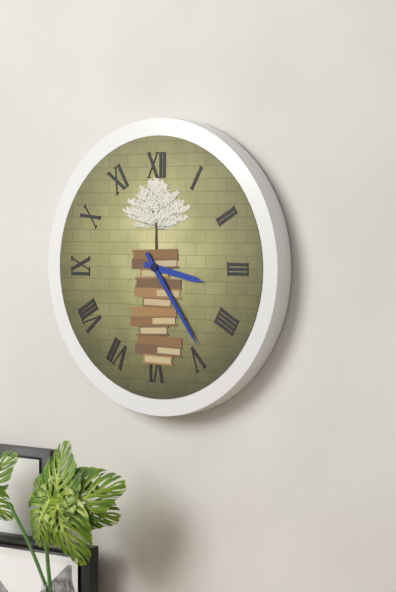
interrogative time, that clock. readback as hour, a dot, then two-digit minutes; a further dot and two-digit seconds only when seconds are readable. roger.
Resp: 3.24
